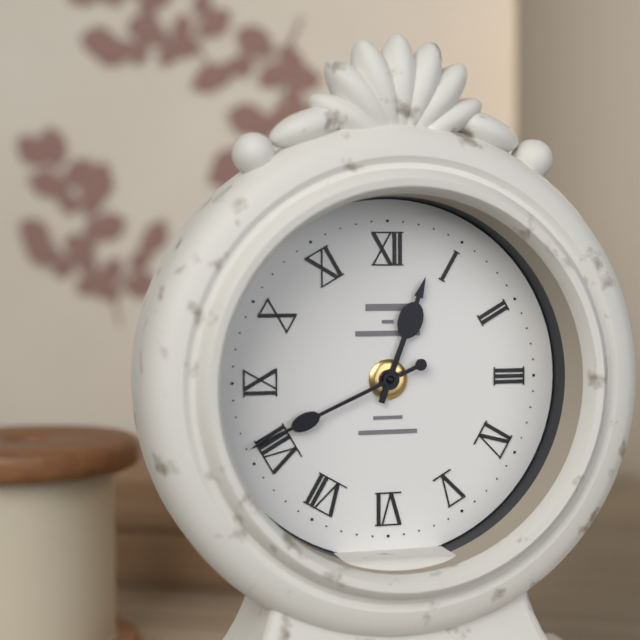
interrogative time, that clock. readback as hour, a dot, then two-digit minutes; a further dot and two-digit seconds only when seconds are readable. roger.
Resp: 12.41
